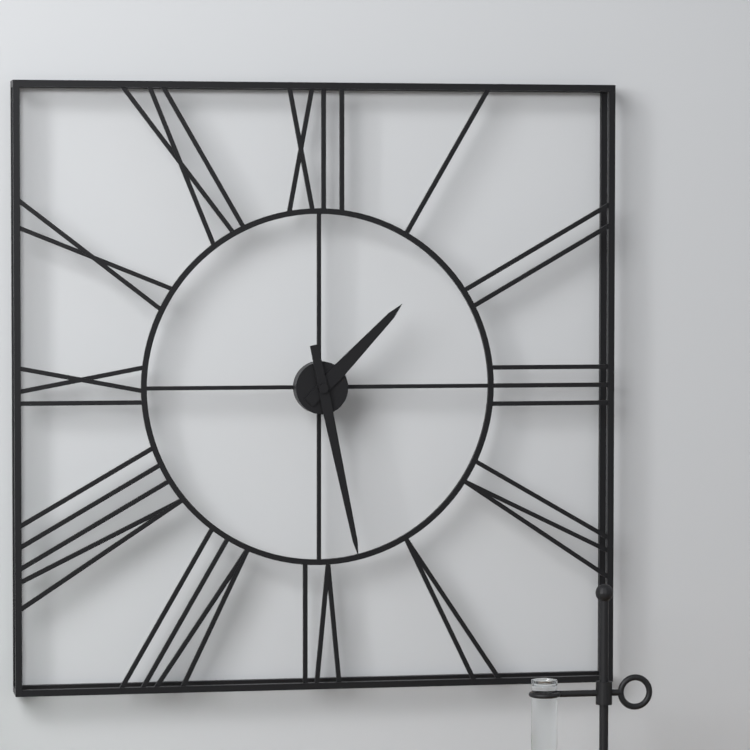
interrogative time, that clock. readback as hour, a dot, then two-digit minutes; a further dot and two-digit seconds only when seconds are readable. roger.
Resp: 1.28
